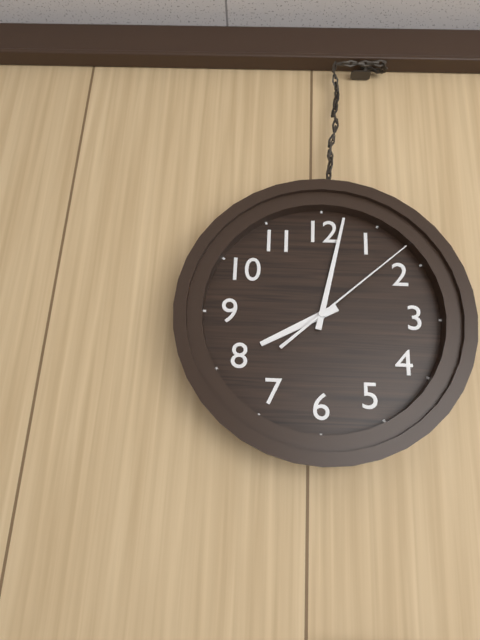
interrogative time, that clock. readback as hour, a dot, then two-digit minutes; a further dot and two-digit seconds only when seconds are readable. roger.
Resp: 8.02.08
